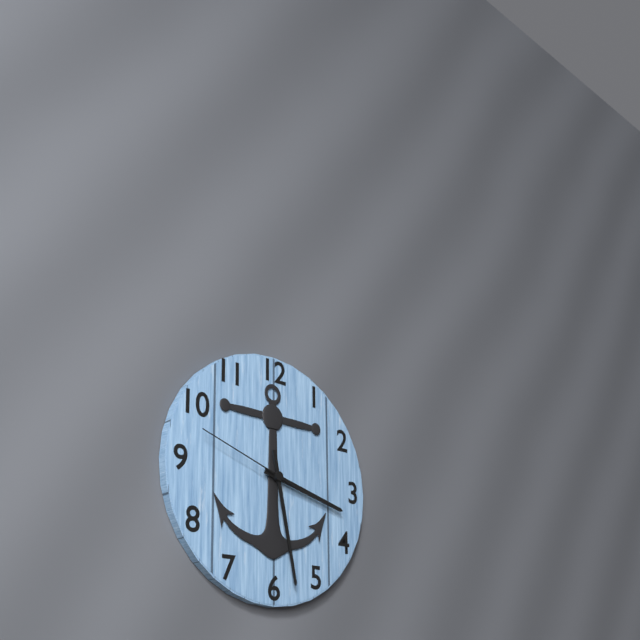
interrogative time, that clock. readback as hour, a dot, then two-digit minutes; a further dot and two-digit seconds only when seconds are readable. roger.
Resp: 3.28.48
